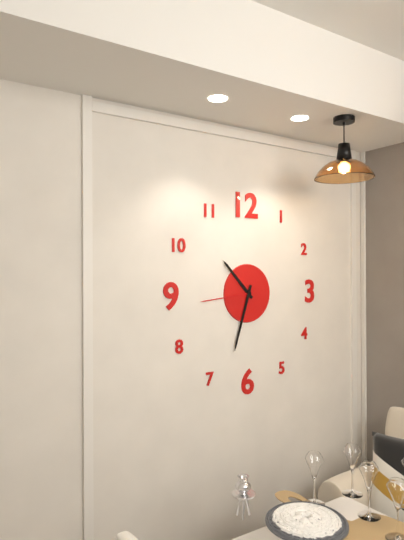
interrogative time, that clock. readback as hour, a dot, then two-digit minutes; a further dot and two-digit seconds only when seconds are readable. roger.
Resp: 10.33.44
